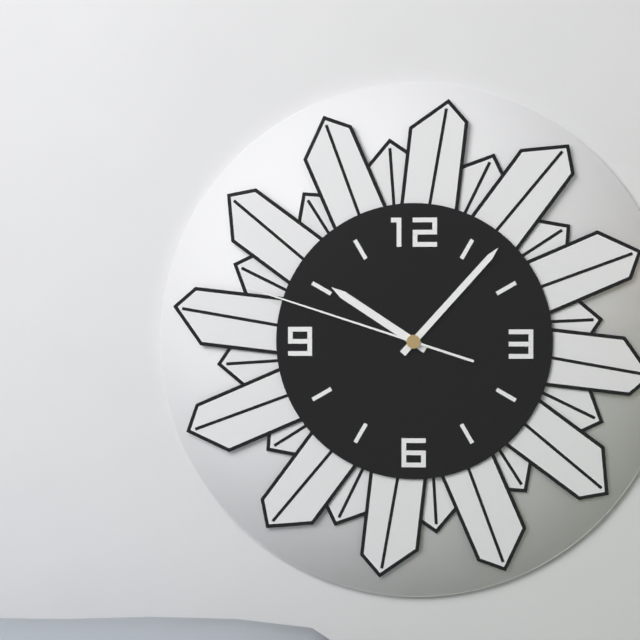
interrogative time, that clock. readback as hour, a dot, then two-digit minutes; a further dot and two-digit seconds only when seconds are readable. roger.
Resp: 10.07.48
